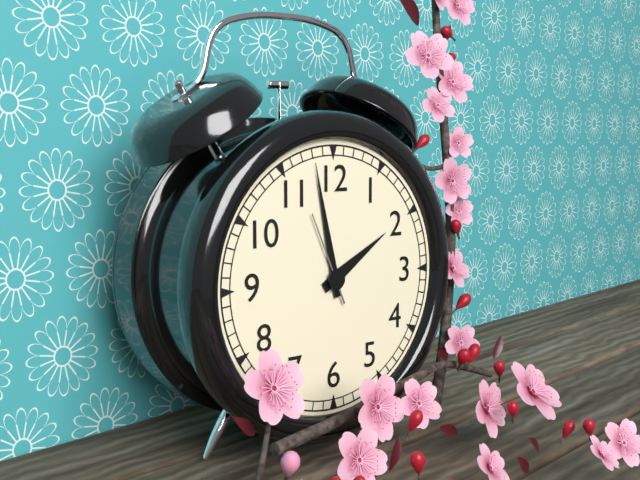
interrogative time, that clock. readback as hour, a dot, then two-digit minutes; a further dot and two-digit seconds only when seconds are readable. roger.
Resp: 1.58.56
